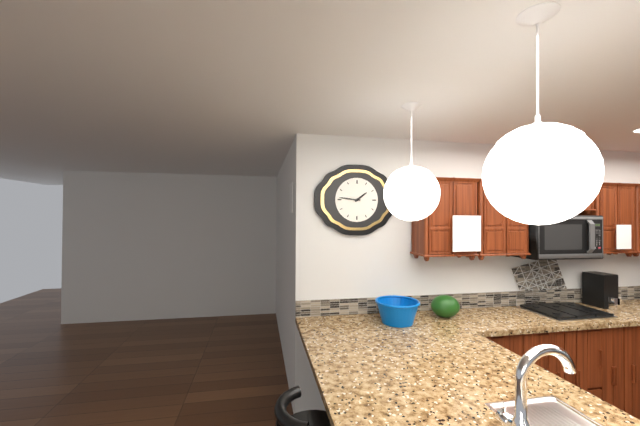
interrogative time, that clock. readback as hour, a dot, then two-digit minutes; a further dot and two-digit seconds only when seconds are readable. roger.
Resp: 1.46
